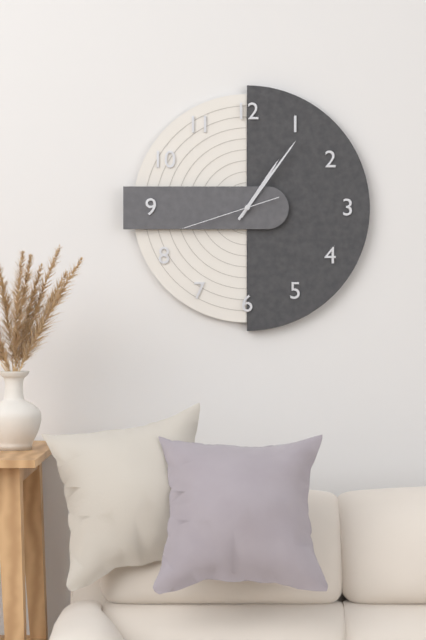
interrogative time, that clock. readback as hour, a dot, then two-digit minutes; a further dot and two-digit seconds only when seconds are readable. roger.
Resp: 1.06.42
